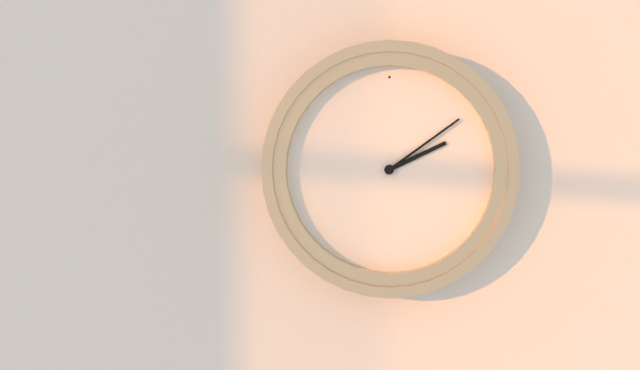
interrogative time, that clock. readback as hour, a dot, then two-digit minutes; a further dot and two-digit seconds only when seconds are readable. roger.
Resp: 2.09
